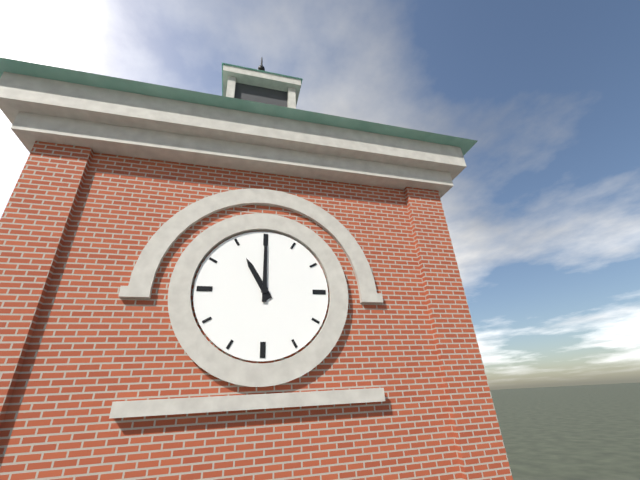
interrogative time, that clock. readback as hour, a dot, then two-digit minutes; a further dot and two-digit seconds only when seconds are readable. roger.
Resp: 11.00
